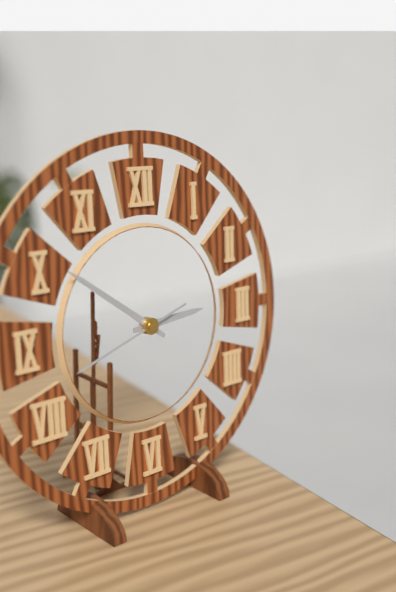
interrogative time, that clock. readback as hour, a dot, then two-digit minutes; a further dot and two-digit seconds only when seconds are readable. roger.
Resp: 2.51.42
